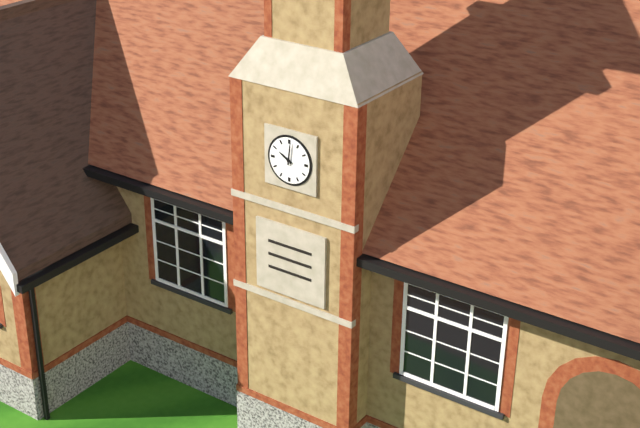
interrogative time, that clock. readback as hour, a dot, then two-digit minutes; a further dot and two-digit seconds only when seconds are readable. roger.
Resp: 10.01
